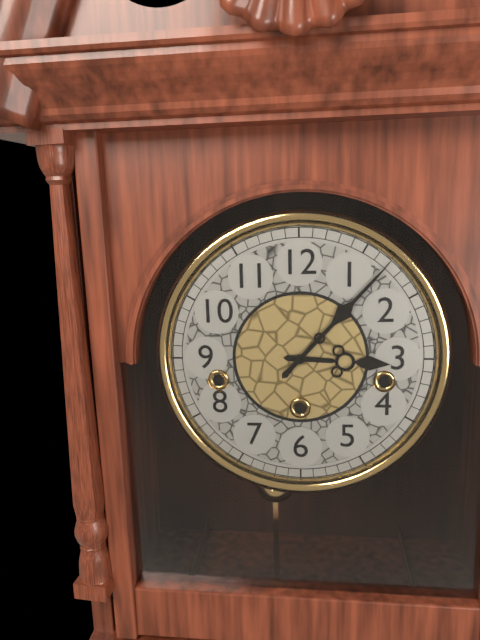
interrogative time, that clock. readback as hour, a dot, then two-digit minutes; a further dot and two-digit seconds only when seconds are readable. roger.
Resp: 3.07
